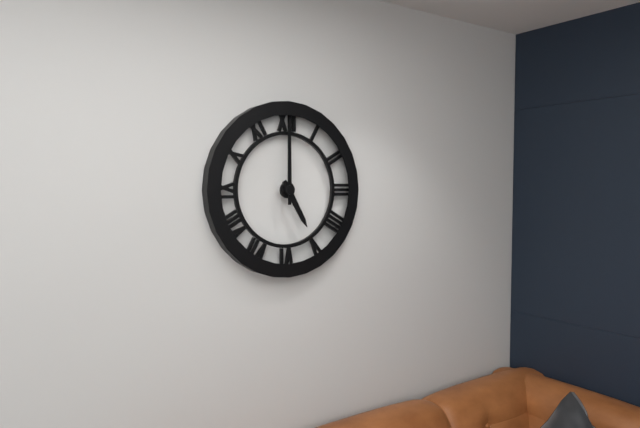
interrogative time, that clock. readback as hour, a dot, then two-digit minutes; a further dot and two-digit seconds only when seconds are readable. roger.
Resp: 5.00
